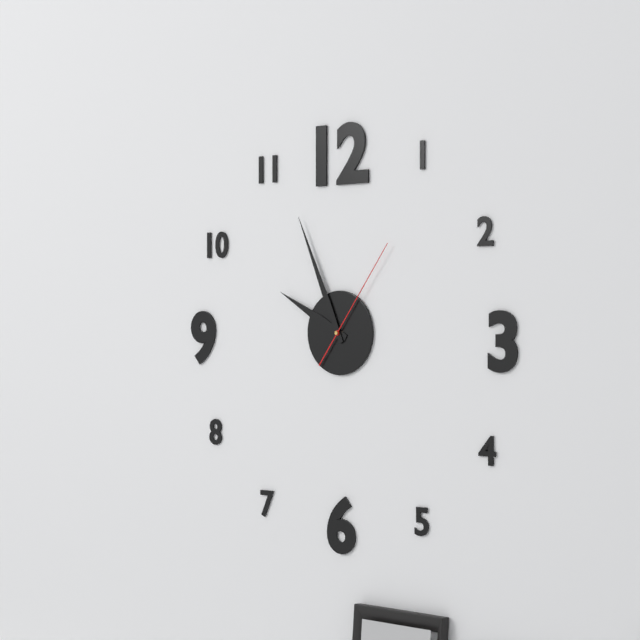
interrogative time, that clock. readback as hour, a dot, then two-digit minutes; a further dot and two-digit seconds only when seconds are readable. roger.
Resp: 9.56.06
